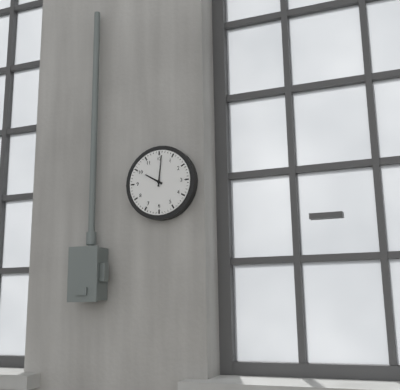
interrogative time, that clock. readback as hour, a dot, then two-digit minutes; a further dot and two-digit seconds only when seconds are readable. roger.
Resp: 10.01
